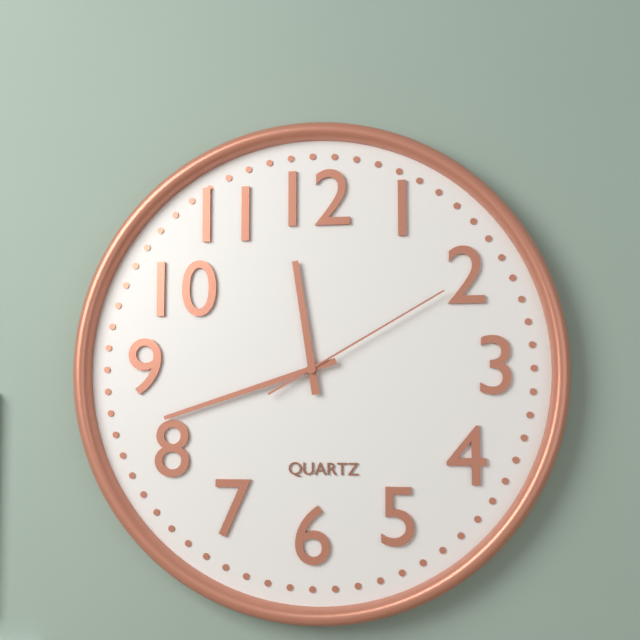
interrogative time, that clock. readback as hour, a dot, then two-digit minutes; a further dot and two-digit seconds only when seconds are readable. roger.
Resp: 11.42.10
